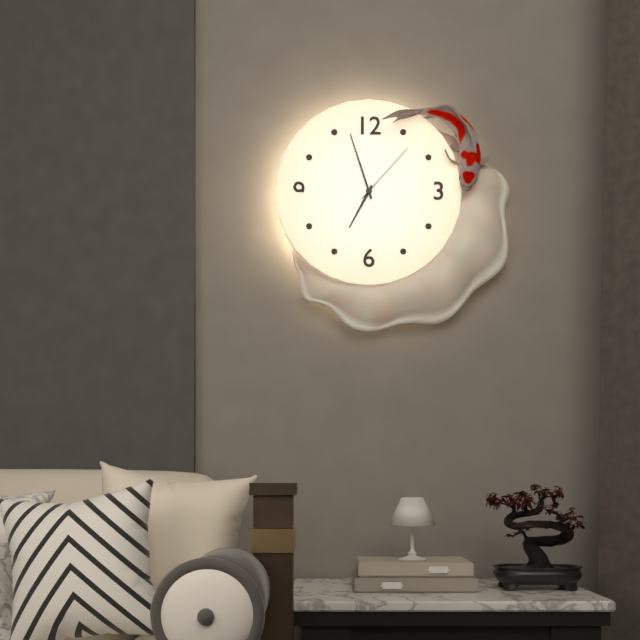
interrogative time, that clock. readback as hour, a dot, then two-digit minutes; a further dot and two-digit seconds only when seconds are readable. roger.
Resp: 6.57.07
